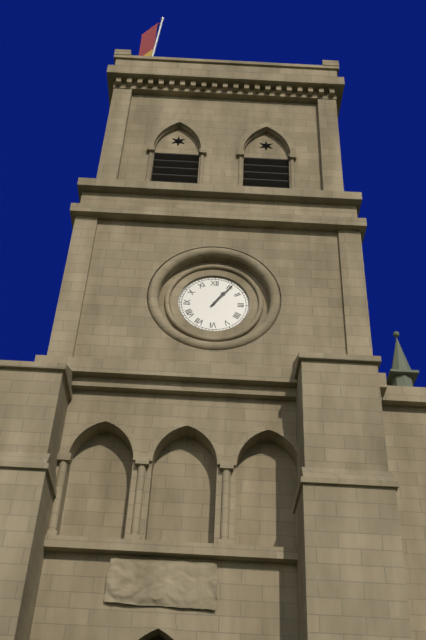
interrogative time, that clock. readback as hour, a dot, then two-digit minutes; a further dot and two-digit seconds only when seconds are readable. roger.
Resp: 1.06
